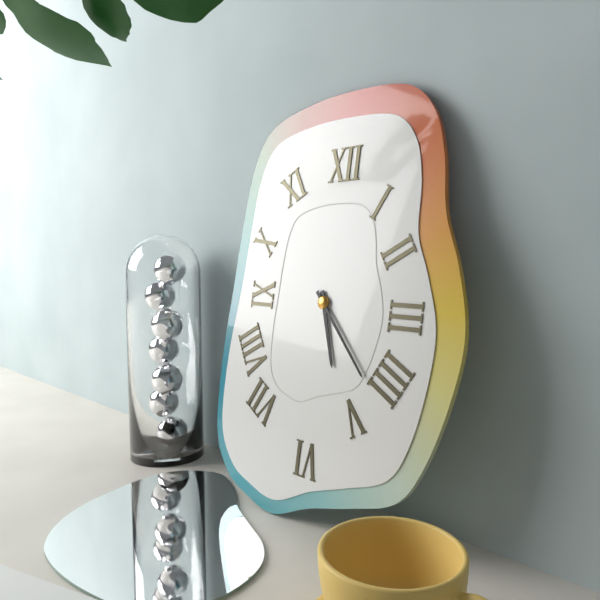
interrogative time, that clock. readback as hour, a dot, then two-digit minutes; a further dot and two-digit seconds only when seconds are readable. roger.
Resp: 5.23
